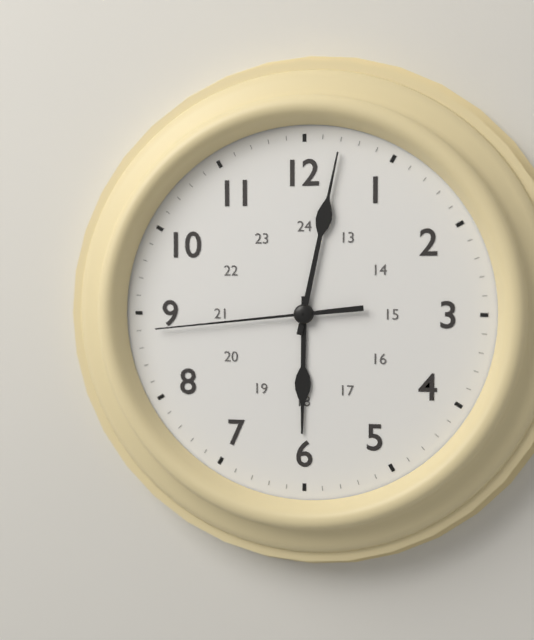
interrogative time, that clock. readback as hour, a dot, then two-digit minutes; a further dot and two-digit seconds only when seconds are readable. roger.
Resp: 6.02.44
